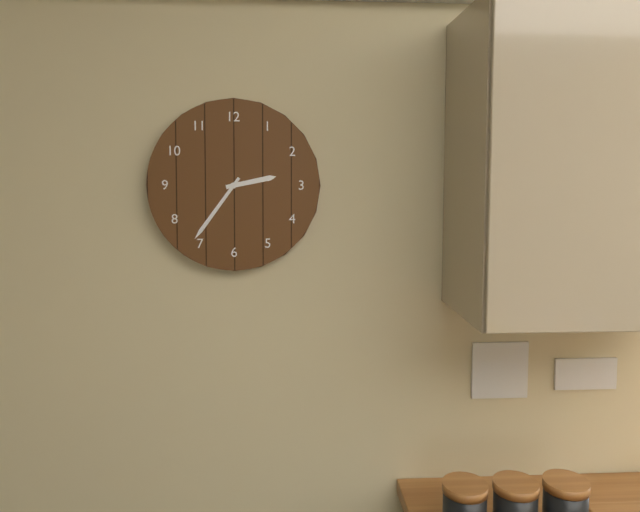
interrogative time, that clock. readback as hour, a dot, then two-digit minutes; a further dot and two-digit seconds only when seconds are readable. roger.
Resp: 2.36
